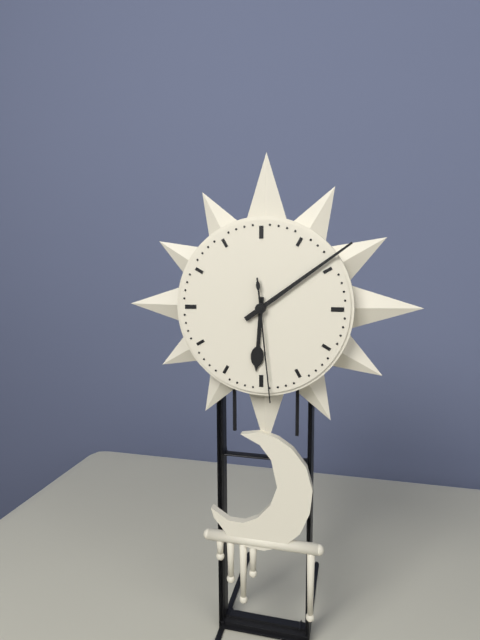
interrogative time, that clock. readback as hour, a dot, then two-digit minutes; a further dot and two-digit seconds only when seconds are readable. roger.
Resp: 6.09.29
